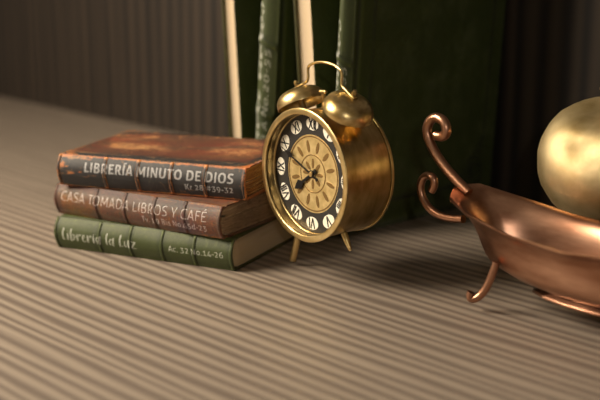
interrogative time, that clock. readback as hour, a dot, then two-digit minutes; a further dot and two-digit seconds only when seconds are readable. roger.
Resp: 7.49
